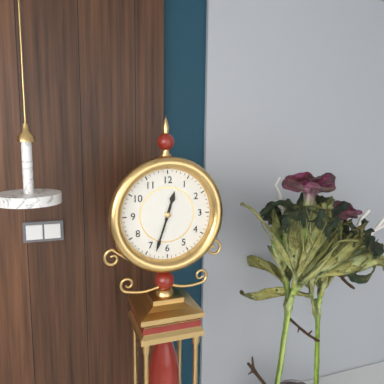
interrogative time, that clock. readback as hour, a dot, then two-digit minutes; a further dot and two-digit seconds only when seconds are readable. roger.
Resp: 12.33
